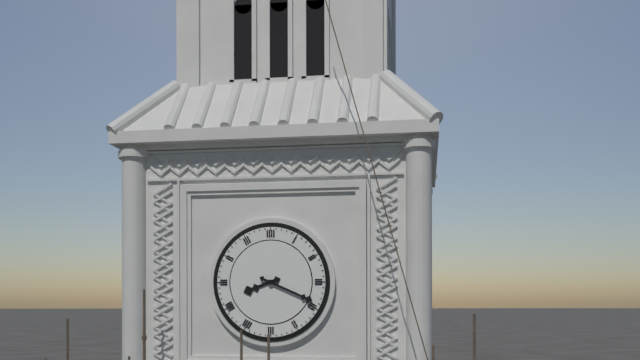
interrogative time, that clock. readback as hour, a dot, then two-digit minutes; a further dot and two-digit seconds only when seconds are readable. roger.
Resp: 8.19
